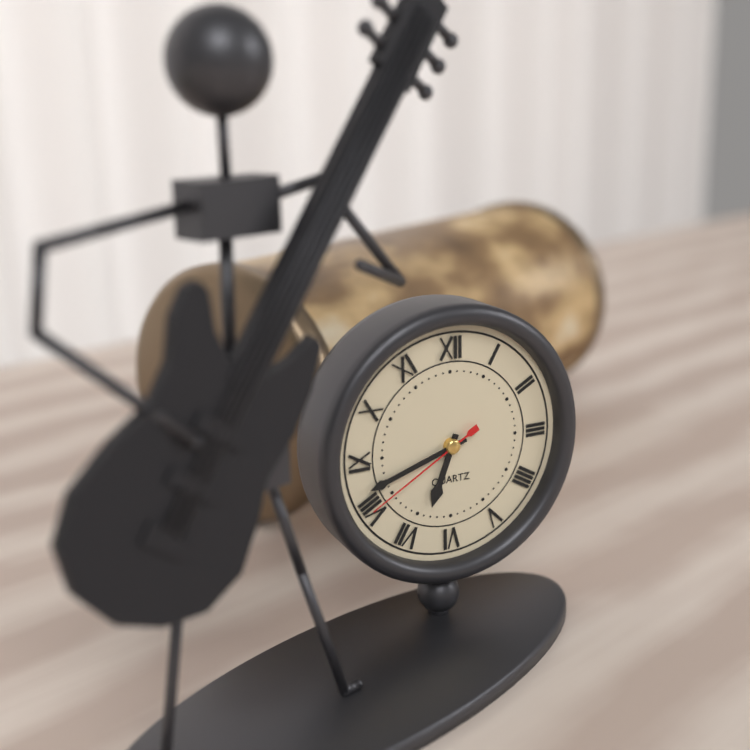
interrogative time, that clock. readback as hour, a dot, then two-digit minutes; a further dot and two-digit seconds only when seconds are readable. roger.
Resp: 6.42.40
